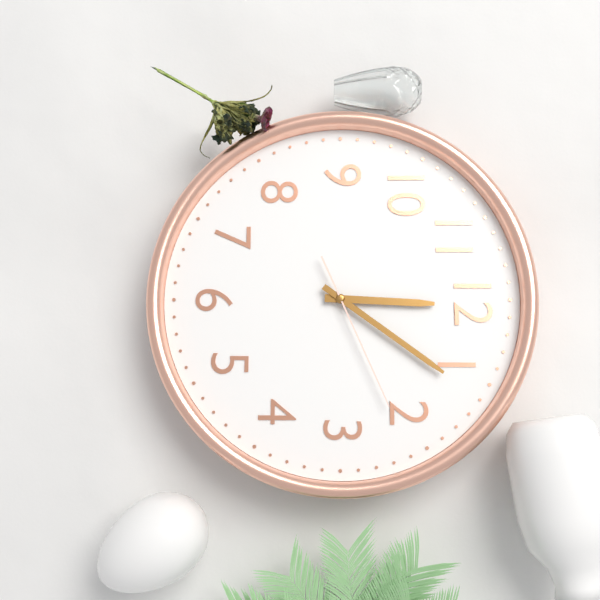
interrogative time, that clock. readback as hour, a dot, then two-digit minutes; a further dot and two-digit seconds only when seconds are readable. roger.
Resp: 12.06.11
